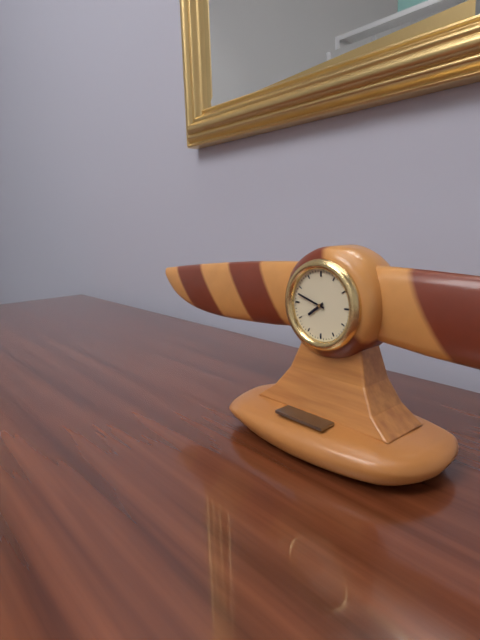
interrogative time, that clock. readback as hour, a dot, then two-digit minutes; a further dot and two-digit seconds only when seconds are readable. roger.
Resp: 7.48
